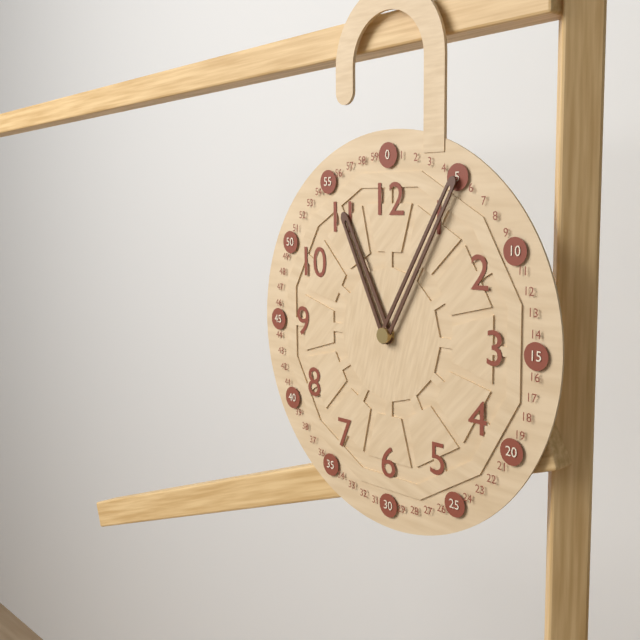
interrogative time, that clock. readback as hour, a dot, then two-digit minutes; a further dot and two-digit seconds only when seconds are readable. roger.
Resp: 11.05
